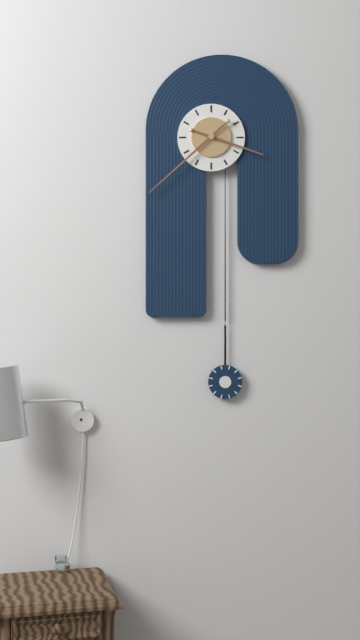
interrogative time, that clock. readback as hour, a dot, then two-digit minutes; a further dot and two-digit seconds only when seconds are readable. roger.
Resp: 3.38
